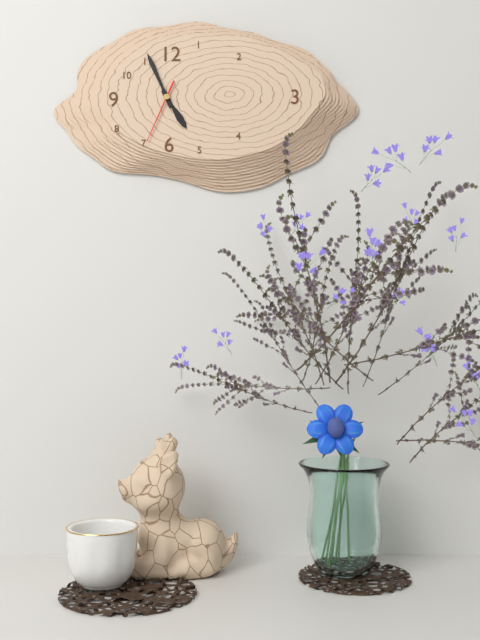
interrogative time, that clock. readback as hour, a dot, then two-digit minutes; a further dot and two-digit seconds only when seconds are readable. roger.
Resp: 4.56.34
